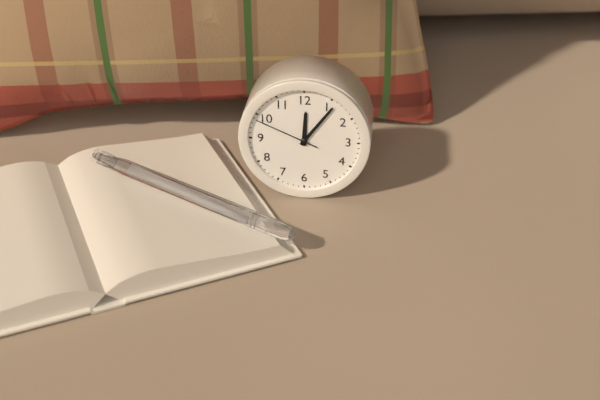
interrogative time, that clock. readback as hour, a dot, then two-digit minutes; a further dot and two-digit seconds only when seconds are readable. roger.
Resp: 12.06.49
